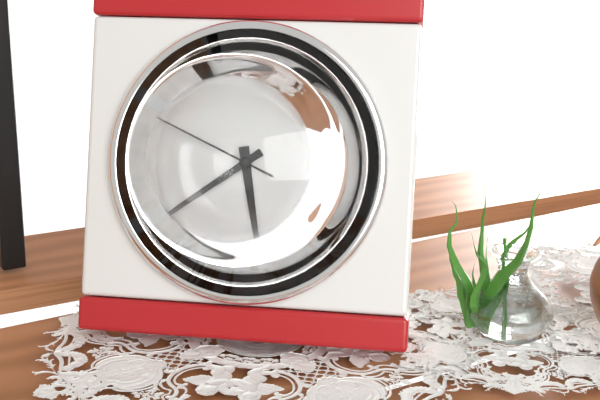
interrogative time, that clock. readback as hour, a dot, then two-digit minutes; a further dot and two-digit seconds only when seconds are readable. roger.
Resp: 5.39.49
